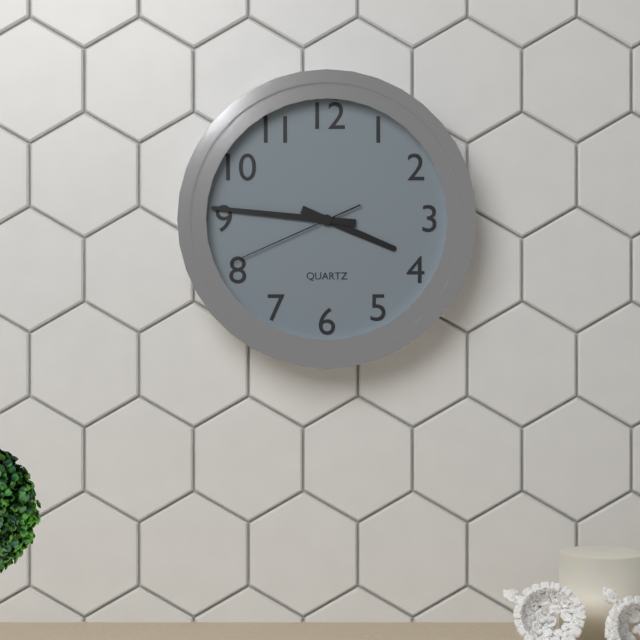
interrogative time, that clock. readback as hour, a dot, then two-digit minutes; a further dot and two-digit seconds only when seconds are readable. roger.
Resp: 3.46.41
